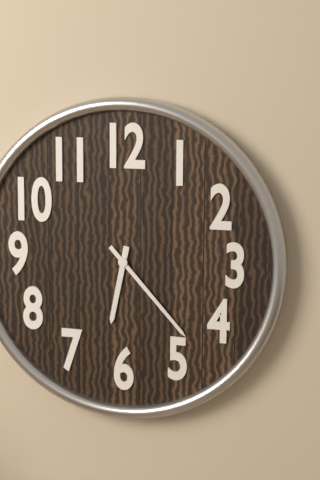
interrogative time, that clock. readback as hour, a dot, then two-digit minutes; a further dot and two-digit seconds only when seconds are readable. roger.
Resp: 6.23
